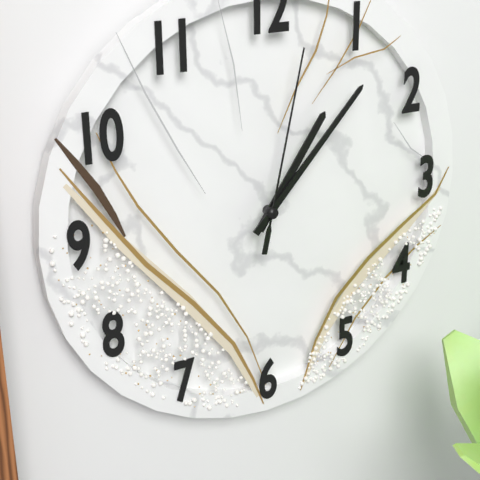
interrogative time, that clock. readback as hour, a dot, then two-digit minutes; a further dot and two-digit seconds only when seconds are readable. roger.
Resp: 1.07.02
